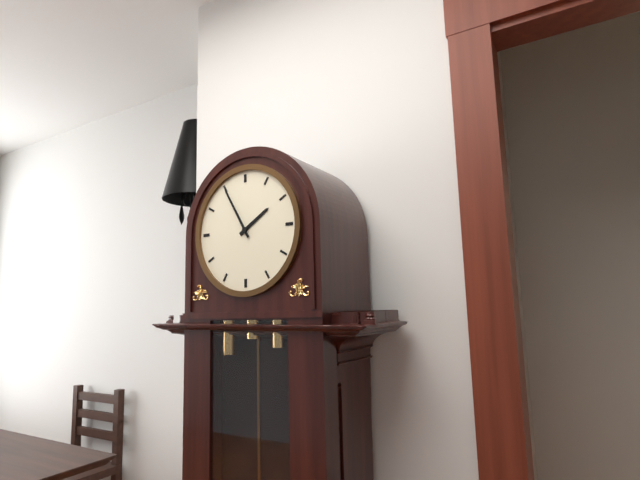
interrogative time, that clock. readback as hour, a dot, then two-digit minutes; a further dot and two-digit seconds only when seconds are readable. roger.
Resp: 1.55
